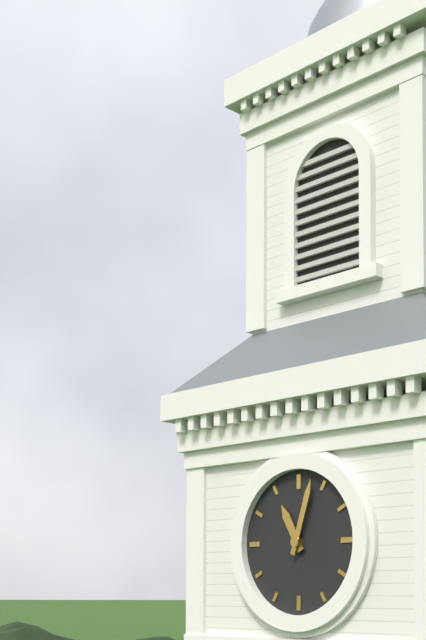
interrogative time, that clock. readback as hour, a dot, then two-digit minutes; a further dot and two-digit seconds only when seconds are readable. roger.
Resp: 11.03
